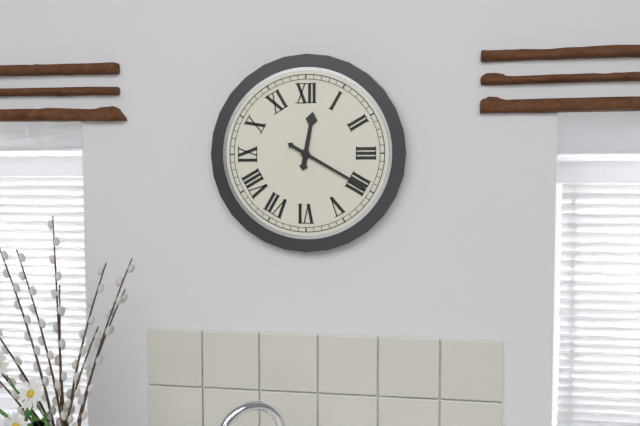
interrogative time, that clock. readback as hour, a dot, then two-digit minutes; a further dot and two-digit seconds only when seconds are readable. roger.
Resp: 12.20
